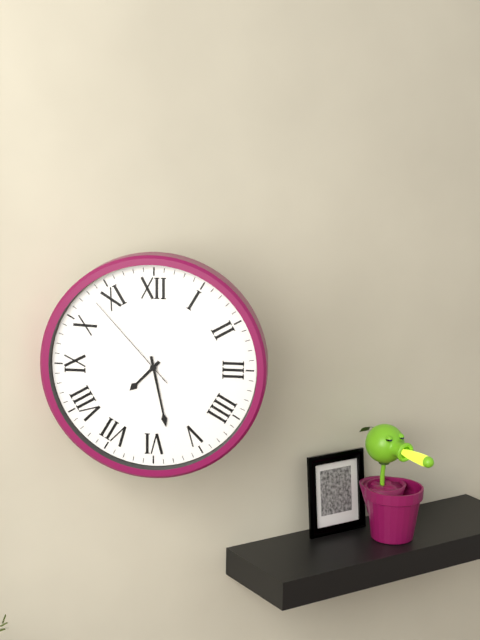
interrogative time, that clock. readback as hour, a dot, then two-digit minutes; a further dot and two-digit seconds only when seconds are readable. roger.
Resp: 7.28.53
